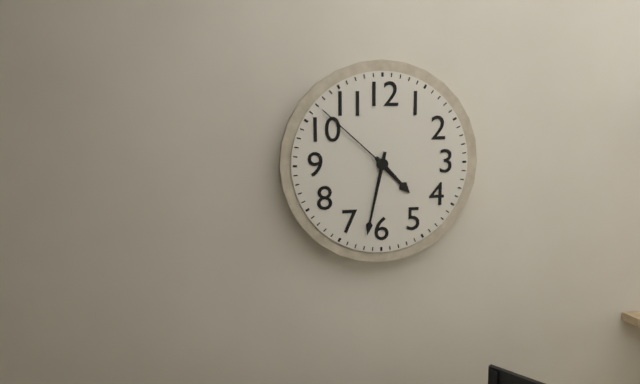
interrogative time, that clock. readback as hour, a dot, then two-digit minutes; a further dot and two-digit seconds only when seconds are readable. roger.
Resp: 4.32.52
